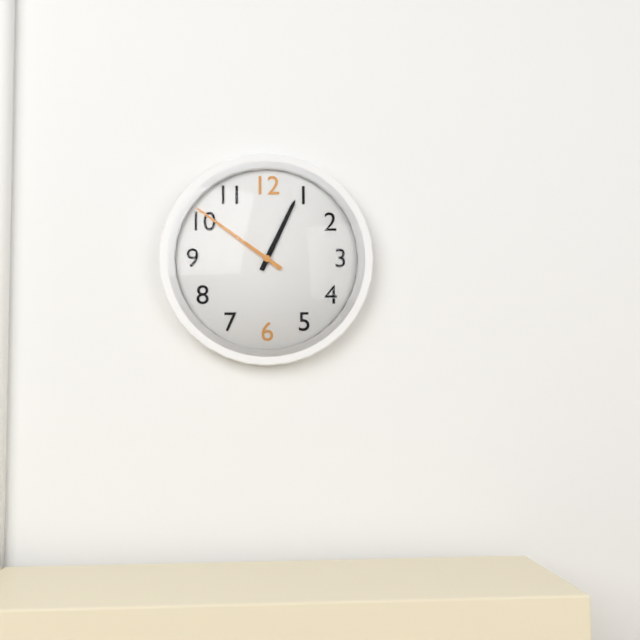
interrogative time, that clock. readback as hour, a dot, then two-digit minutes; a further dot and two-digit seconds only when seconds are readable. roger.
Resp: 12.51
